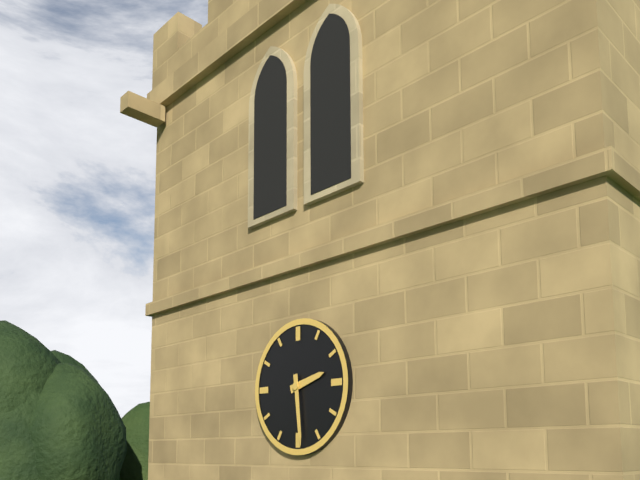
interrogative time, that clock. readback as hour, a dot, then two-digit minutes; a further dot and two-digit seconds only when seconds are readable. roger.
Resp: 2.29
